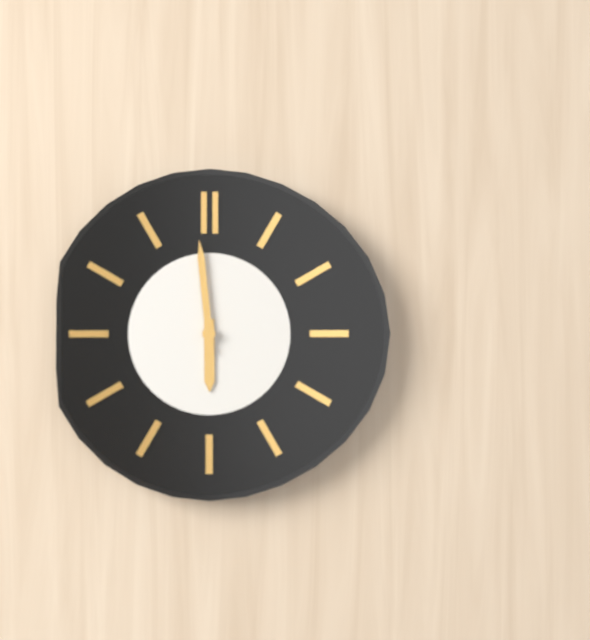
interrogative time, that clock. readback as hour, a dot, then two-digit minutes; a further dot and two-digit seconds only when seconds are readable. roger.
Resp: 5.59
